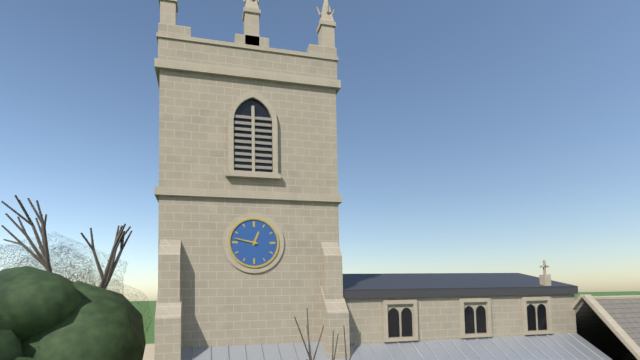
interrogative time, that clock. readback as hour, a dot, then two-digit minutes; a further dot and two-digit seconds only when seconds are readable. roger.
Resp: 12.47
